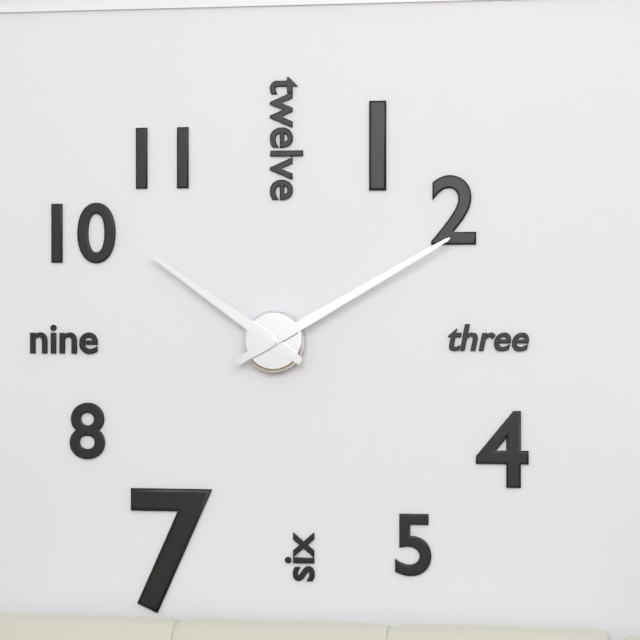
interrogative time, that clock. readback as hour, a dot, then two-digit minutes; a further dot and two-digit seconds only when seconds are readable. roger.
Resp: 10.10
